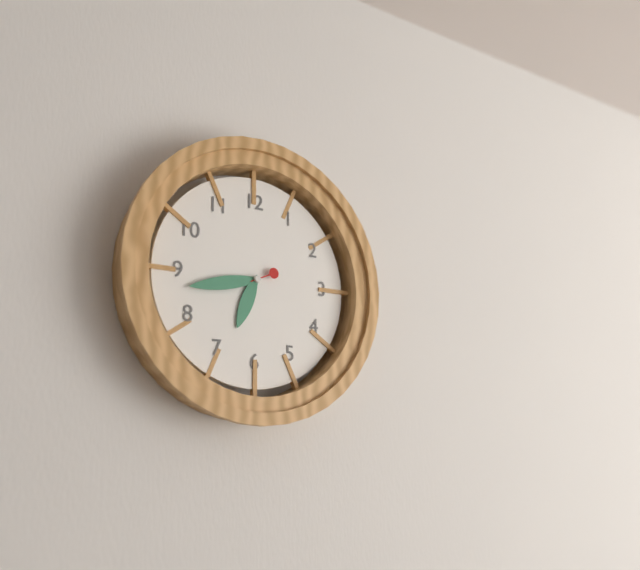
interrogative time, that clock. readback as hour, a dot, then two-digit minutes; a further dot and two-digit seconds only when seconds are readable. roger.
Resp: 6.43
